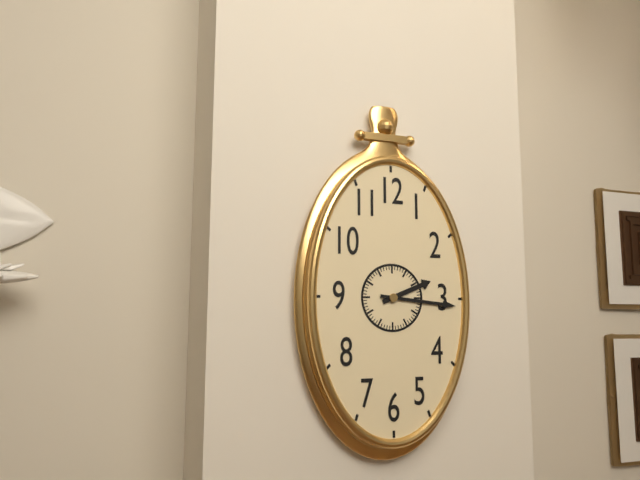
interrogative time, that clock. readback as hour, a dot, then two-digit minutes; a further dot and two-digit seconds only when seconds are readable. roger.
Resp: 2.16
